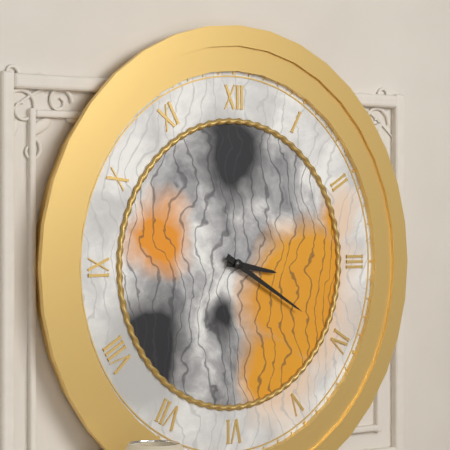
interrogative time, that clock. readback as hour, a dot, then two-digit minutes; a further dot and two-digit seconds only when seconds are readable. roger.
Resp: 3.20
